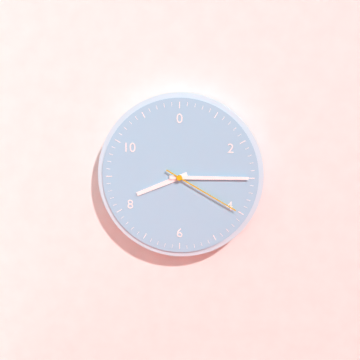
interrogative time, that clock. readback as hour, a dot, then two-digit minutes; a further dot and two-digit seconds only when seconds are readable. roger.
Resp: 8.15.20
